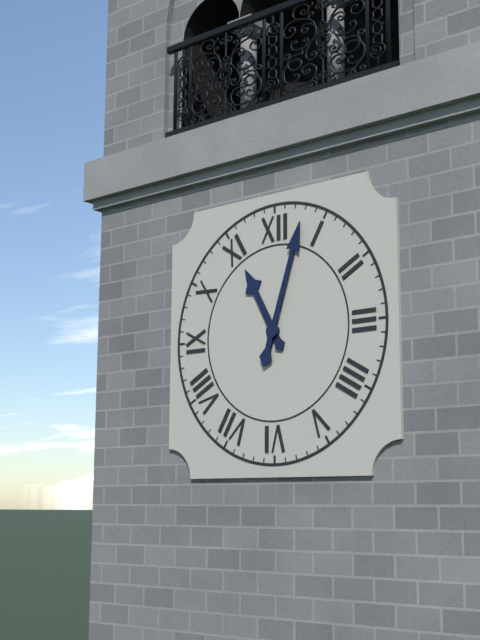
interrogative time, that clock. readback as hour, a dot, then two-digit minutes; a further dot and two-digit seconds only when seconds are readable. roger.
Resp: 11.03
